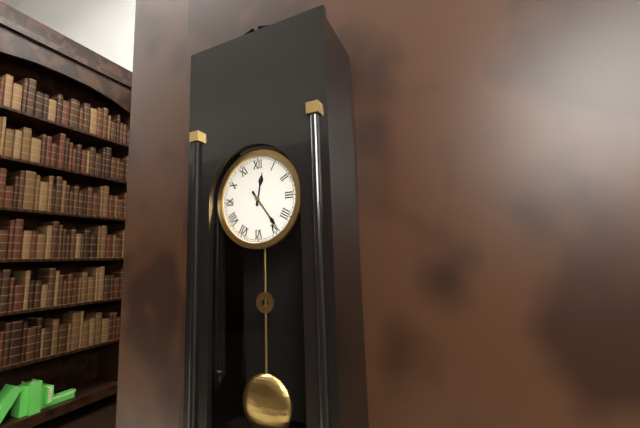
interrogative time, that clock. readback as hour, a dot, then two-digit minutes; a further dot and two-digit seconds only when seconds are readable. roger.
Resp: 12.24
